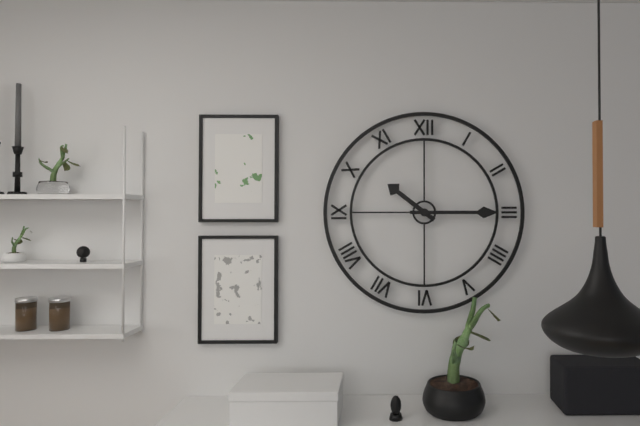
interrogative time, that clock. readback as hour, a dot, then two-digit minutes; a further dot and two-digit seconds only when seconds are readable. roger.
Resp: 10.15
